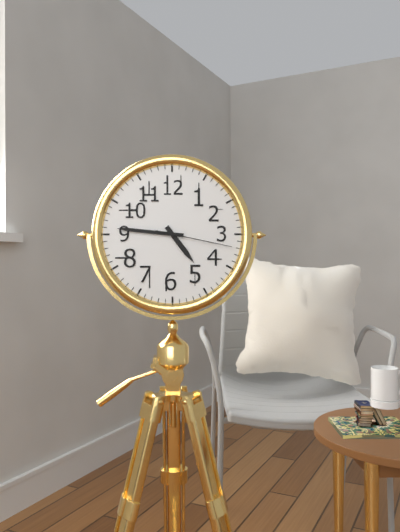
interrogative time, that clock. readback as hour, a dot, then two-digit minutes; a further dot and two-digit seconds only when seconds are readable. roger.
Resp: 4.46.17
